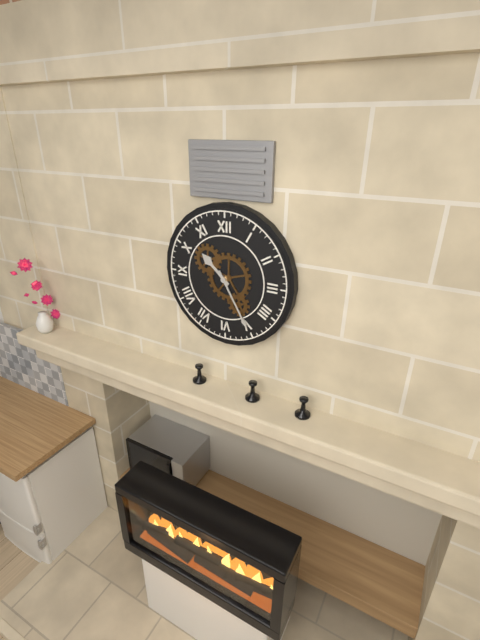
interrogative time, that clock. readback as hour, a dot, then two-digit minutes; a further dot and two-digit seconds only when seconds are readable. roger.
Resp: 10.25
